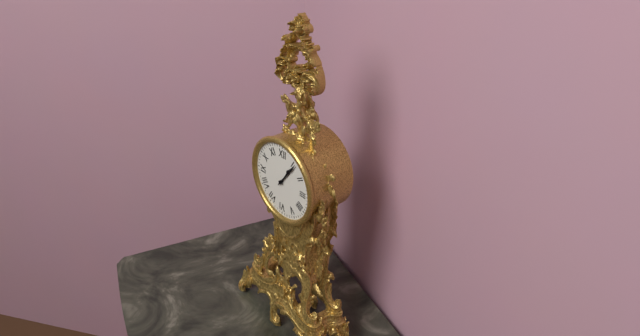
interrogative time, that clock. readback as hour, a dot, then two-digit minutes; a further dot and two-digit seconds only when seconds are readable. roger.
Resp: 1.06
